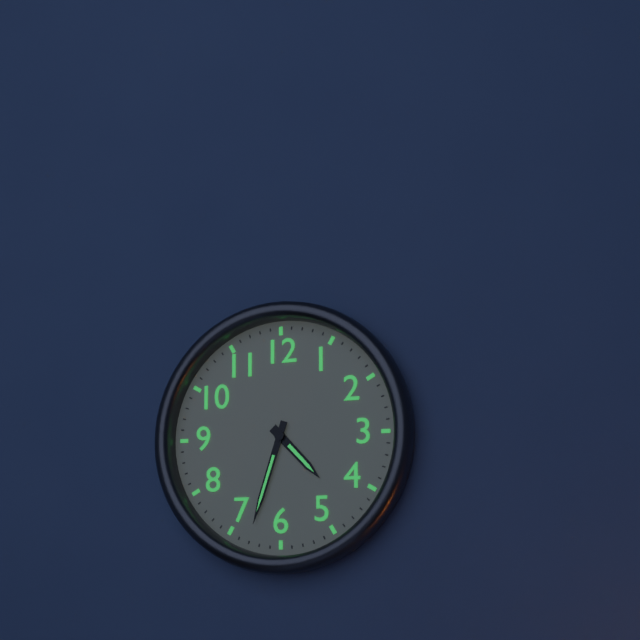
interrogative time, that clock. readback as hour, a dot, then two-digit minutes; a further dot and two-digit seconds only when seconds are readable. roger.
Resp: 4.33
